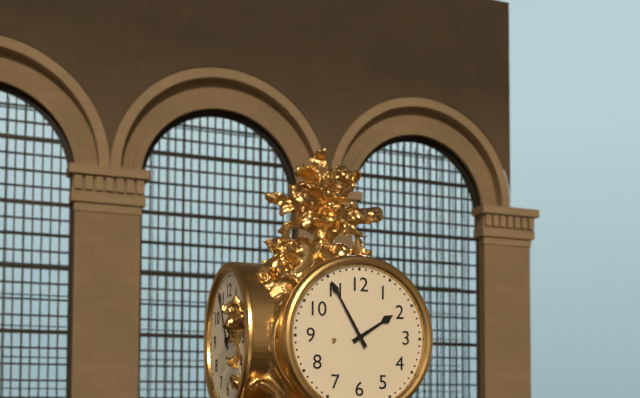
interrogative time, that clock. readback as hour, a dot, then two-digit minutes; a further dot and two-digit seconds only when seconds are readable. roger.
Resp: 1.55
